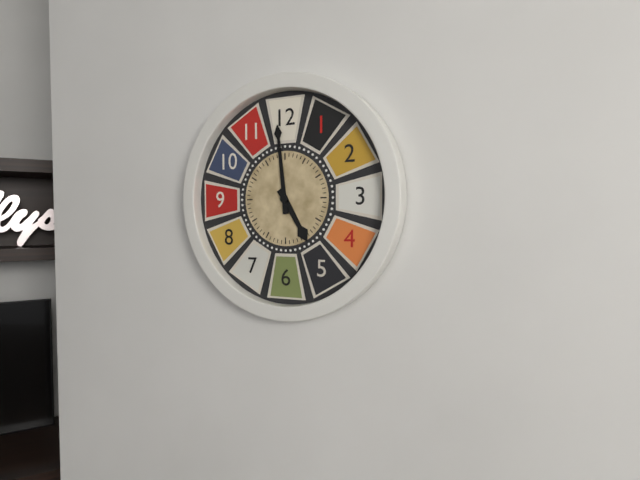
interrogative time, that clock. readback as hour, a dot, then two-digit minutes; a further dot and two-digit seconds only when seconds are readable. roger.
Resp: 4.59
